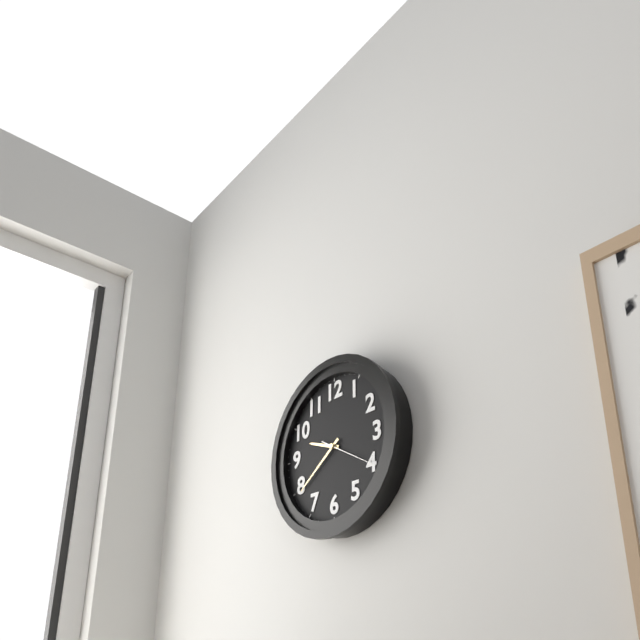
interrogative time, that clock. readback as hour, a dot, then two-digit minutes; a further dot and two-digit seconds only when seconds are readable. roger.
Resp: 9.39.20
